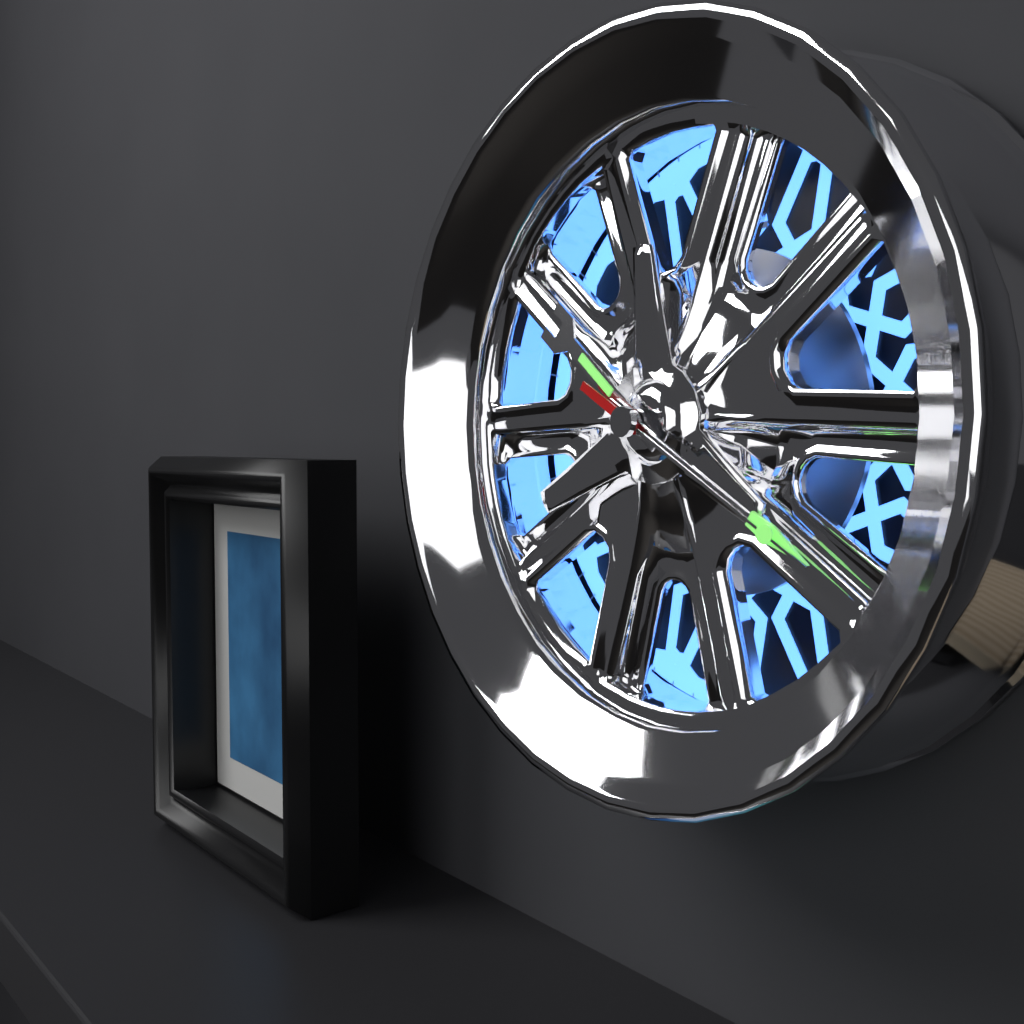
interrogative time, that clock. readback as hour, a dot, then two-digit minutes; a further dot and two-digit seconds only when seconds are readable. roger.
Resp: 10.20.20
